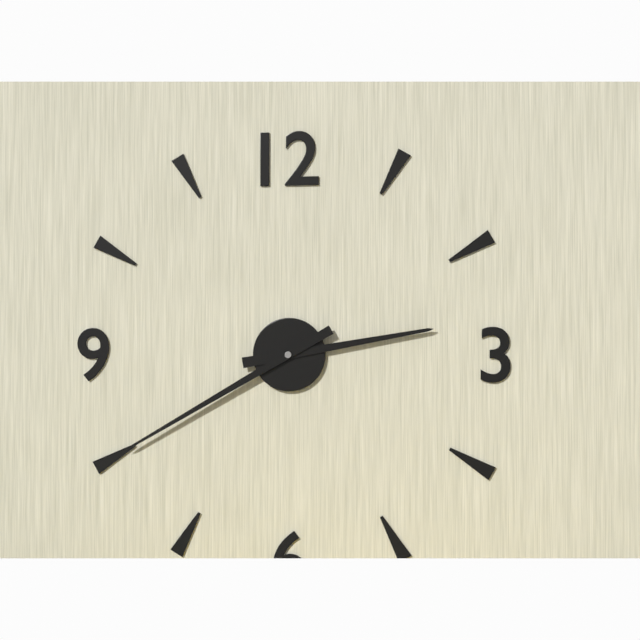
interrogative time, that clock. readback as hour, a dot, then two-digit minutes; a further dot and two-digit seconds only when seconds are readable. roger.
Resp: 2.40
